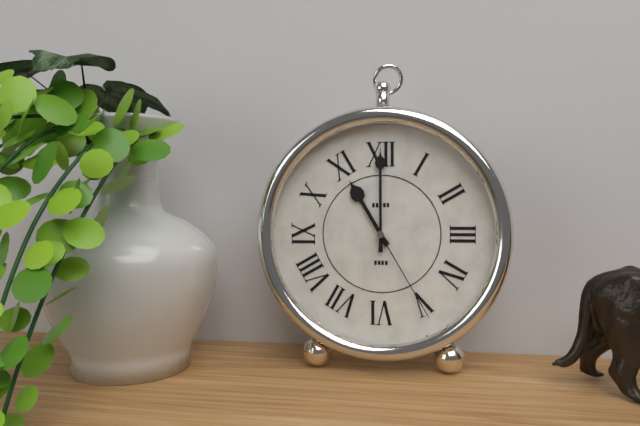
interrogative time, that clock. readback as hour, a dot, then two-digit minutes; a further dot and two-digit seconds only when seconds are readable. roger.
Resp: 11.00.25
